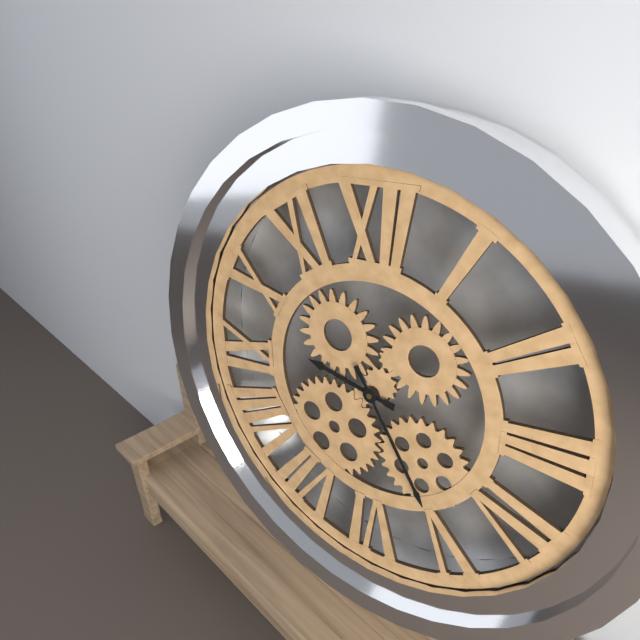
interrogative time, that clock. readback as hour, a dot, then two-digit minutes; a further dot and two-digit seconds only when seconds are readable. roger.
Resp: 9.25
